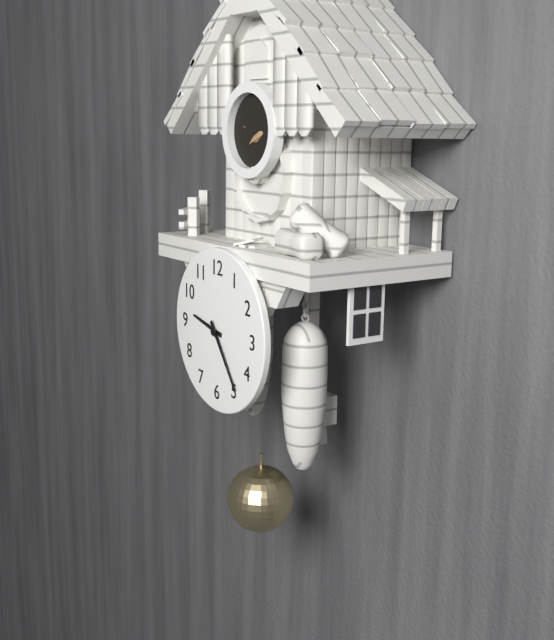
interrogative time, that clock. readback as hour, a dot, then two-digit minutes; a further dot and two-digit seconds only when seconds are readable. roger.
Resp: 9.24
